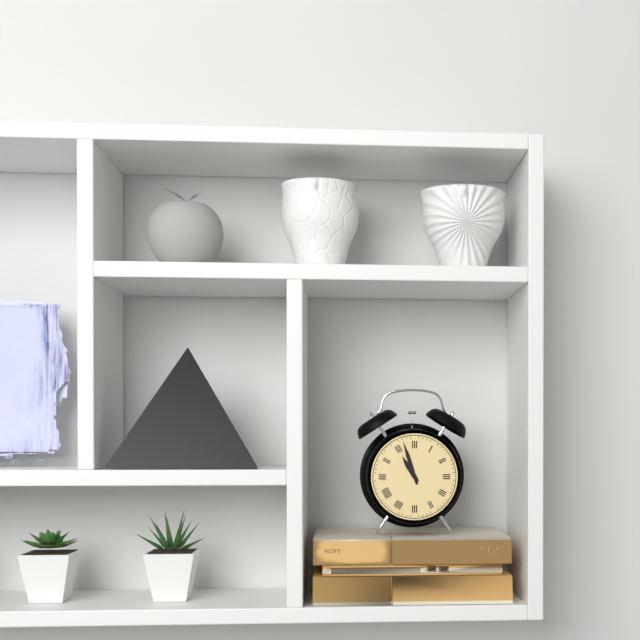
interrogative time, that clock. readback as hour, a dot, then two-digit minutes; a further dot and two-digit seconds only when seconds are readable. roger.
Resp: 10.57
